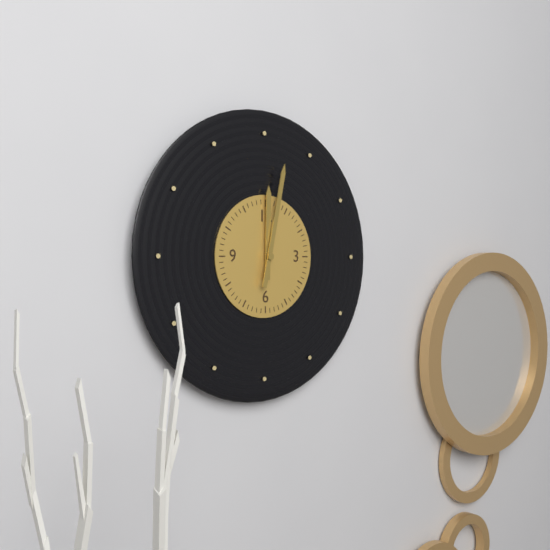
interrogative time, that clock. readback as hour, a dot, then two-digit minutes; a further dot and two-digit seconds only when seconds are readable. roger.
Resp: 12.02
